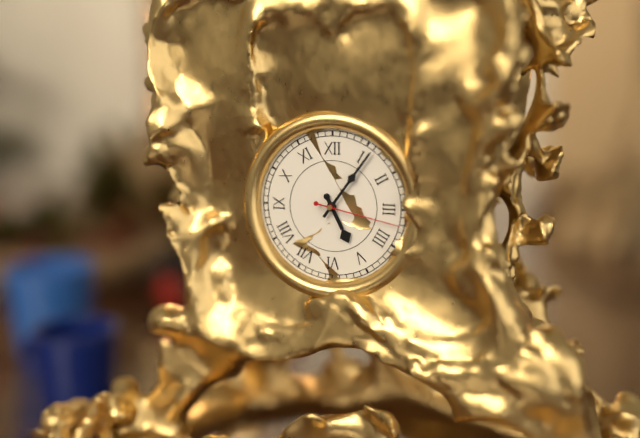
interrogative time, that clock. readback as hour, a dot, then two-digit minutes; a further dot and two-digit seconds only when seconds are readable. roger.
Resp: 5.06.17
